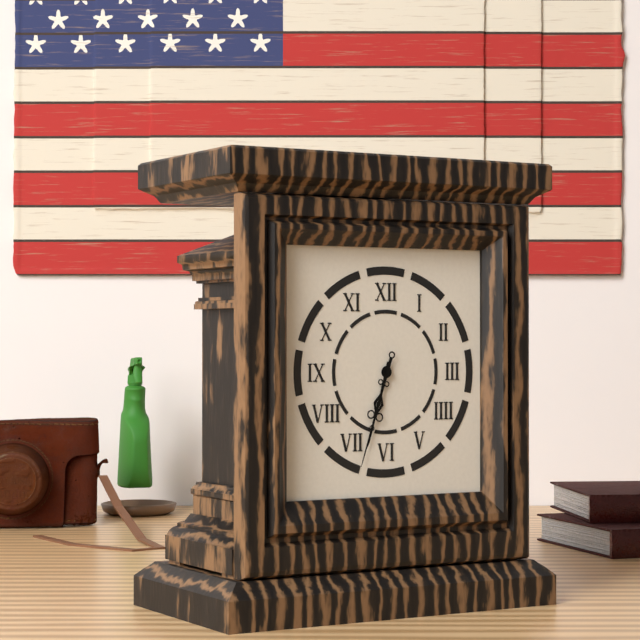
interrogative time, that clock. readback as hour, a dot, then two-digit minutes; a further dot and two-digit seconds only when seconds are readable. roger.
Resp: 6.33
